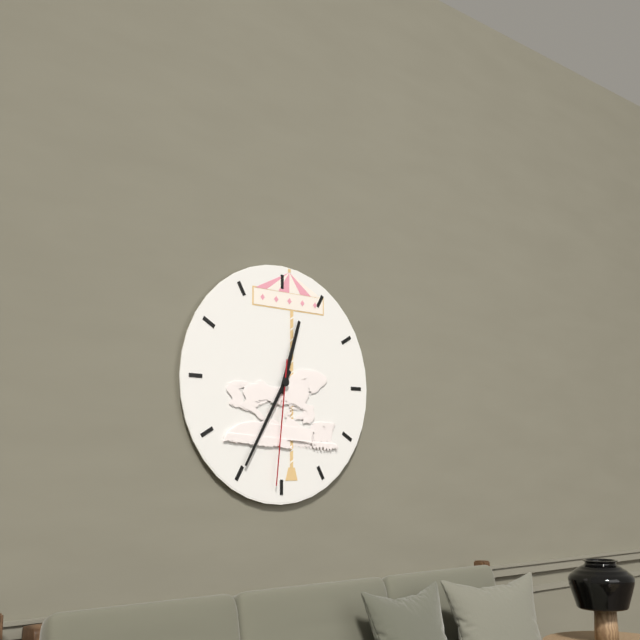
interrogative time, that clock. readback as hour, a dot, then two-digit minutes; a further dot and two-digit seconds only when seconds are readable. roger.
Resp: 12.35.31
